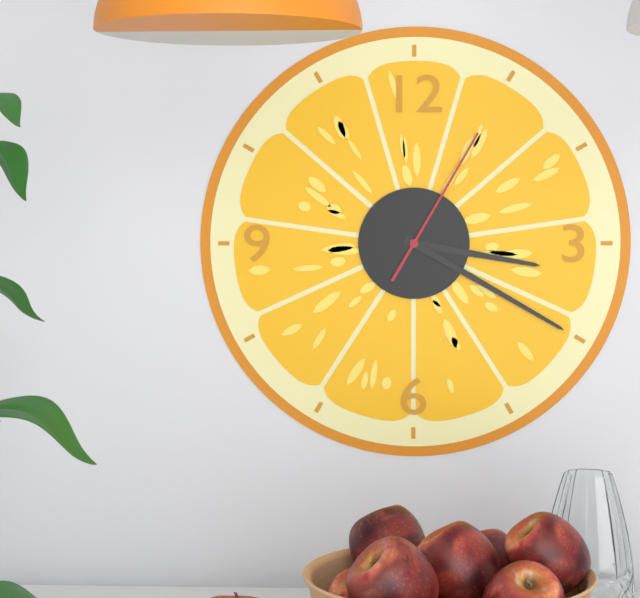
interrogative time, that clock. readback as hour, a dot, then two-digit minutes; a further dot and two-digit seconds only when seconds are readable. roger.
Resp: 3.20.05
